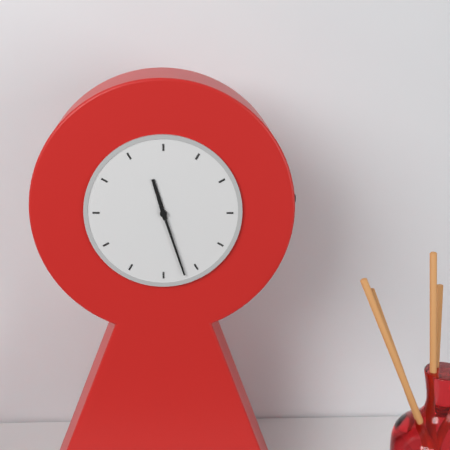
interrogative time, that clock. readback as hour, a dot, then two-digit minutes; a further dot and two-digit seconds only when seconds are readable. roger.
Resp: 11.27
